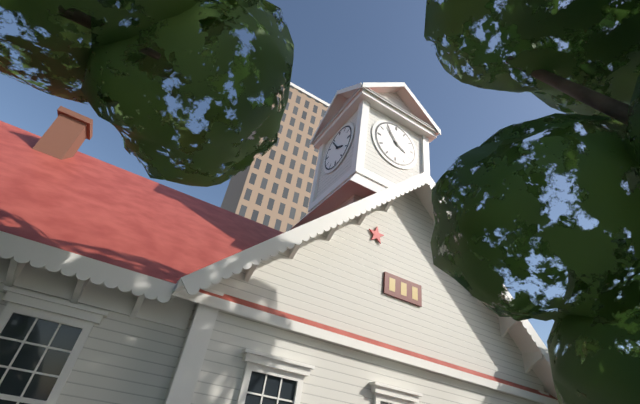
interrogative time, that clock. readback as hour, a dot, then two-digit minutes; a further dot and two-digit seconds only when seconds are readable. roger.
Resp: 3.54
